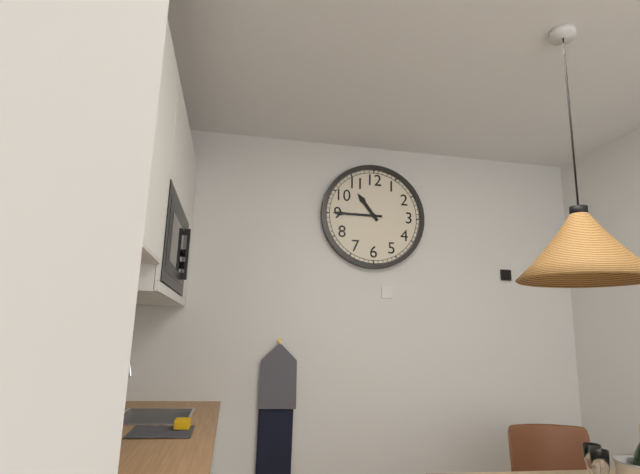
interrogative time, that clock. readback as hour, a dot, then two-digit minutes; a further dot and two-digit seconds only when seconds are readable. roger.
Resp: 10.45
